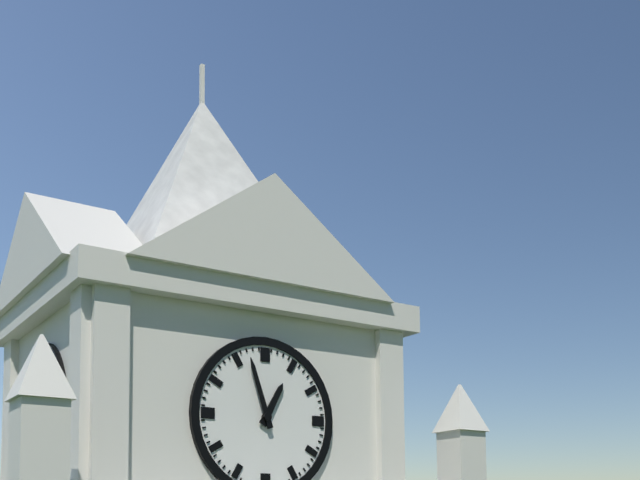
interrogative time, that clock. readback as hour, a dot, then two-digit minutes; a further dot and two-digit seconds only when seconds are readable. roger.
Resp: 12.57
